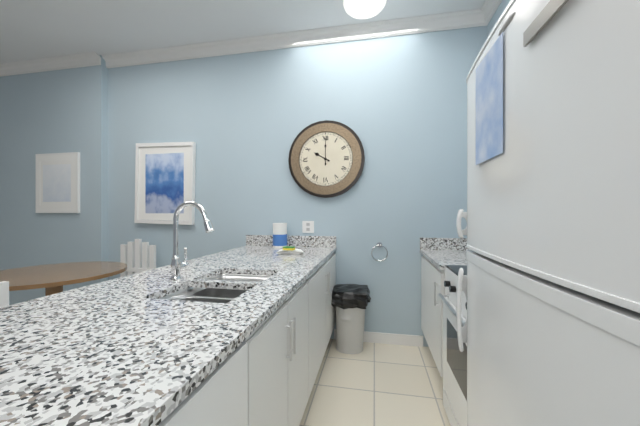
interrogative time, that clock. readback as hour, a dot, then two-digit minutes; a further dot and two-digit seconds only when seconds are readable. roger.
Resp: 10.00
